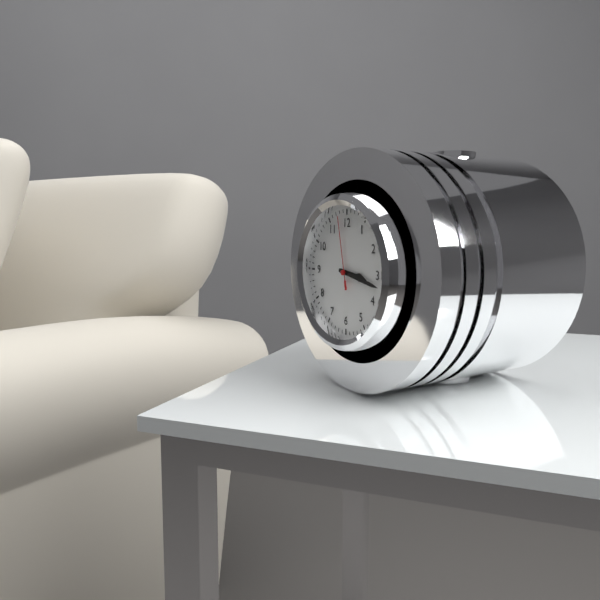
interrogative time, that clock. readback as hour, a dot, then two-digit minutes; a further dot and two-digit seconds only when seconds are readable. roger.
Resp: 3.17.58
